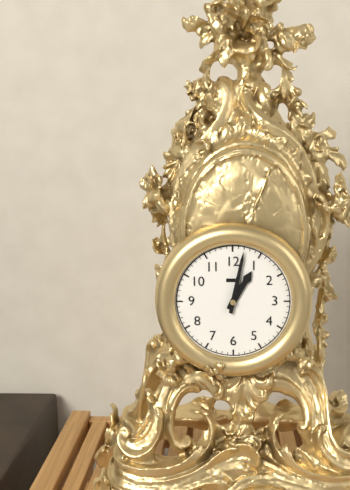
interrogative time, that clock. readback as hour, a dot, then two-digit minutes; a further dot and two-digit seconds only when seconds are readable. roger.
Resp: 1.02
